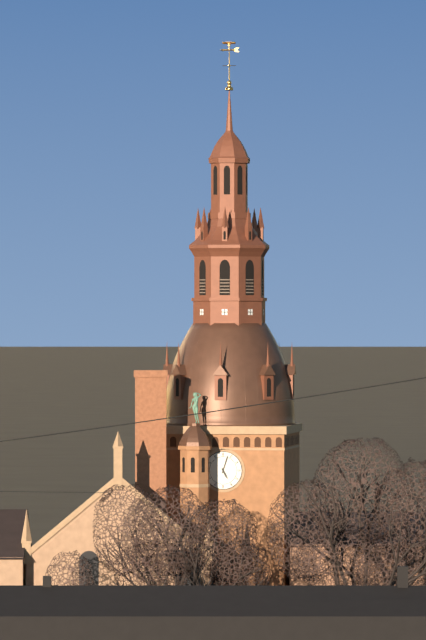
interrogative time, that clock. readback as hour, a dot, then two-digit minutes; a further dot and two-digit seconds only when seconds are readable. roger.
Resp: 5.03
